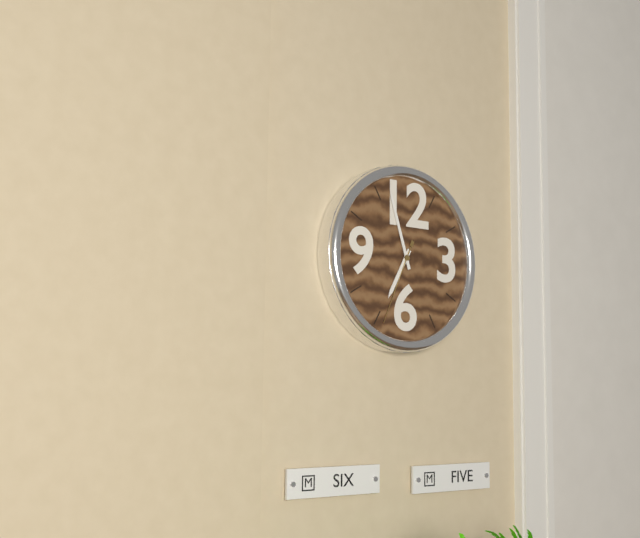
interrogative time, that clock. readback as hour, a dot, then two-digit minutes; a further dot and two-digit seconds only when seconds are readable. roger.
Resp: 6.57.34
